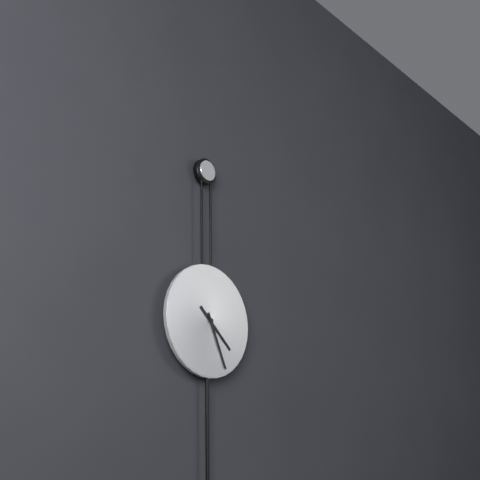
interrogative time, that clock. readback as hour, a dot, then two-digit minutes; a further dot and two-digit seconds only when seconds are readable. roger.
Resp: 4.26
